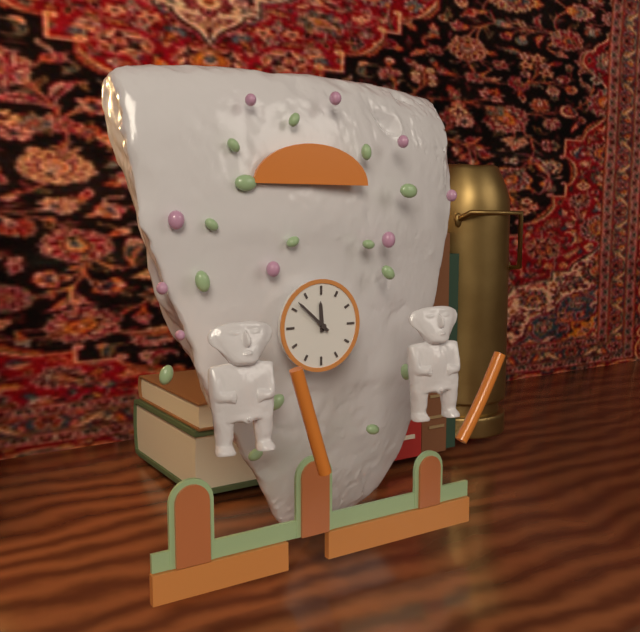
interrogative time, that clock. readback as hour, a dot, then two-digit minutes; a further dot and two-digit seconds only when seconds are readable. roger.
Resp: 11.52
